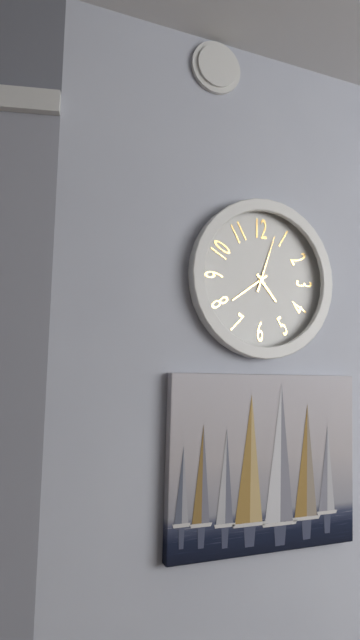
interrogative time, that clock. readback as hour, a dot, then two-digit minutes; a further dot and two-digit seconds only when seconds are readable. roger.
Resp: 4.39.03
